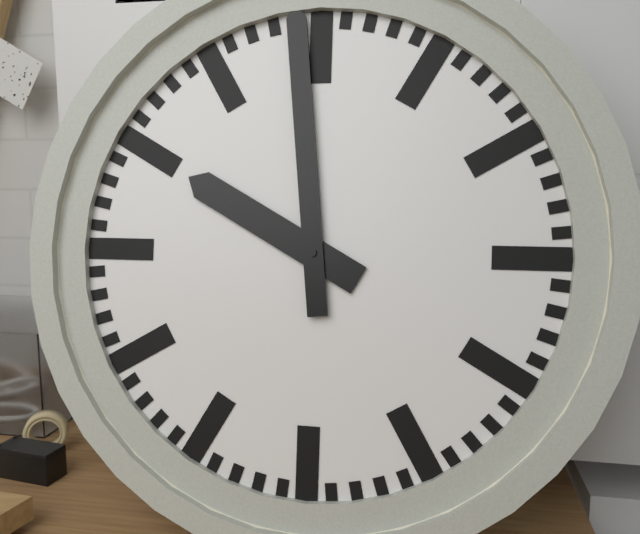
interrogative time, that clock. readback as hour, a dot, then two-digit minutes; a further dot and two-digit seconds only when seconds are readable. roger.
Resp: 9.59
